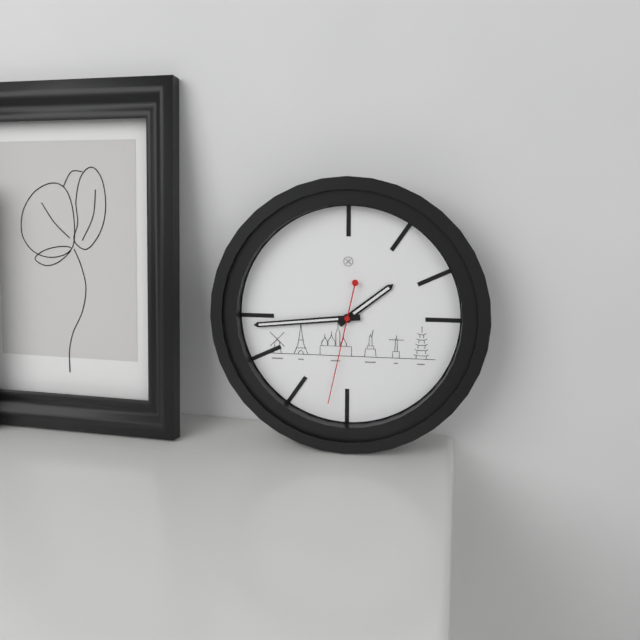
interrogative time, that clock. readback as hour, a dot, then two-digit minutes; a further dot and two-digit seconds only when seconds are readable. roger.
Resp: 1.44.32
